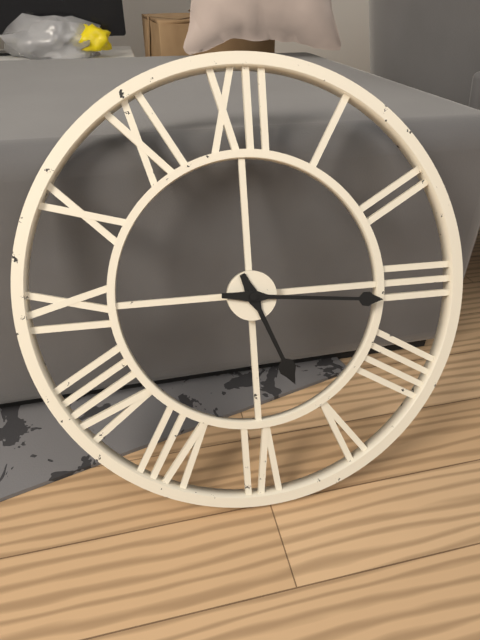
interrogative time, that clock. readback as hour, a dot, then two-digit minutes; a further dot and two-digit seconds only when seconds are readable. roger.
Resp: 5.16
